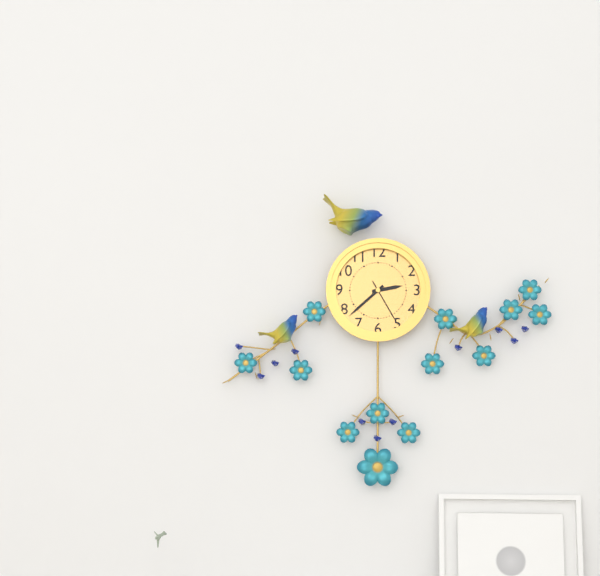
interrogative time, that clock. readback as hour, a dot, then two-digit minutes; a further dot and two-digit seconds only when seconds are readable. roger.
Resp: 2.38.25
